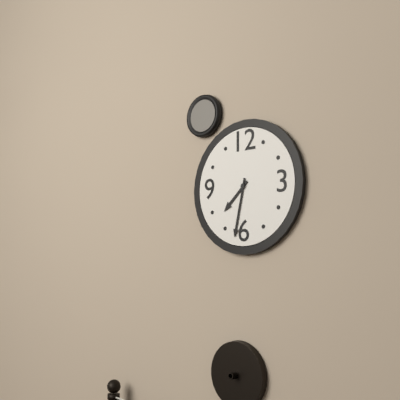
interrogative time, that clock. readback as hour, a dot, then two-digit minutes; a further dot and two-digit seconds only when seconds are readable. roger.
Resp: 7.32
